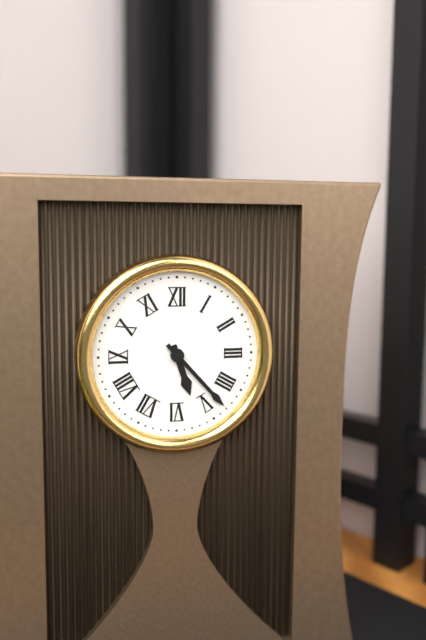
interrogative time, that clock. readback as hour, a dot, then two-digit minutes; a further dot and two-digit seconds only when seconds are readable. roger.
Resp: 5.23
